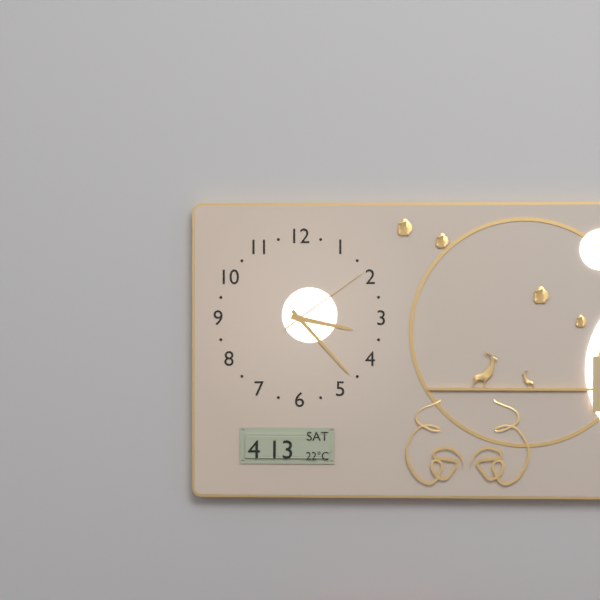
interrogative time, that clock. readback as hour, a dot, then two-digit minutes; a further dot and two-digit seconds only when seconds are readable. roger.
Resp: 3.23.09
